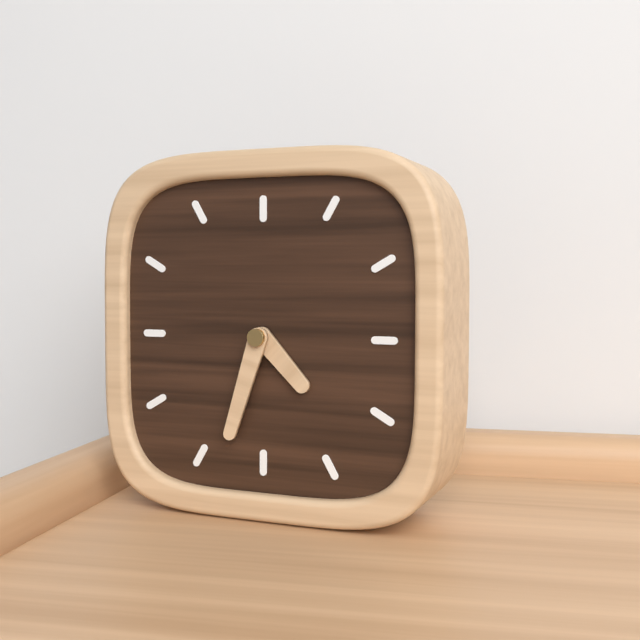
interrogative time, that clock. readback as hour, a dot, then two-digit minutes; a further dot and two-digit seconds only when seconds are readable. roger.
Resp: 4.33
